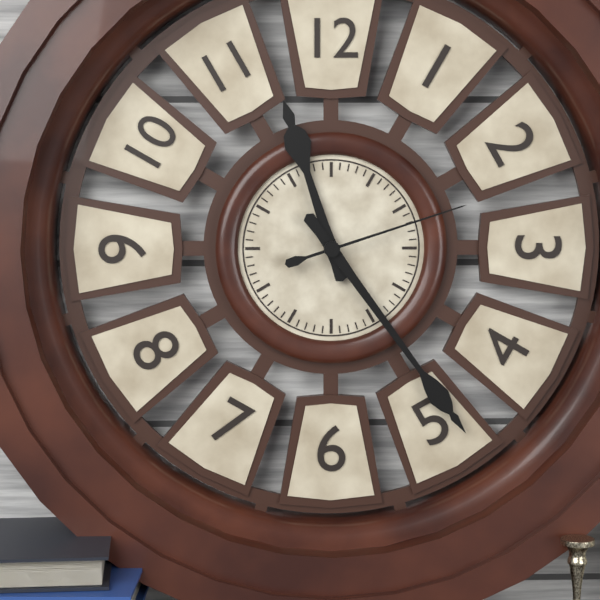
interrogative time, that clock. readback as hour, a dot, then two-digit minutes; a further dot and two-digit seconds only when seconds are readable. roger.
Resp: 11.24.12
